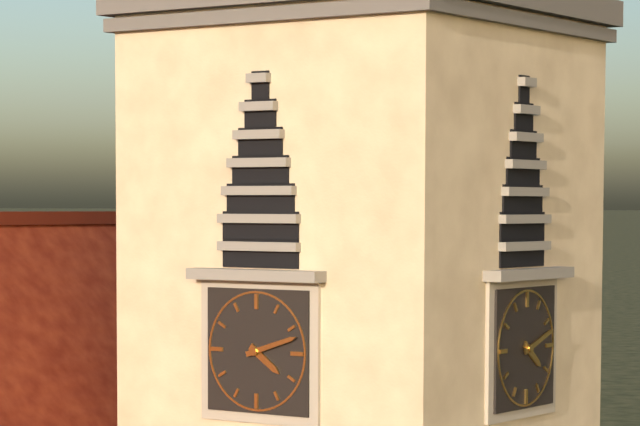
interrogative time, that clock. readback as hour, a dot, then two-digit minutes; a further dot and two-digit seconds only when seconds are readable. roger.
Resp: 4.12
